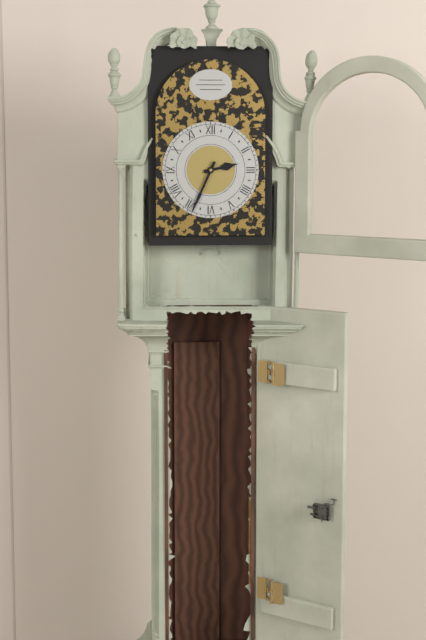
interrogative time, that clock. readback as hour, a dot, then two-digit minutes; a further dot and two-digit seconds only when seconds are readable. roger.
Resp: 2.34
